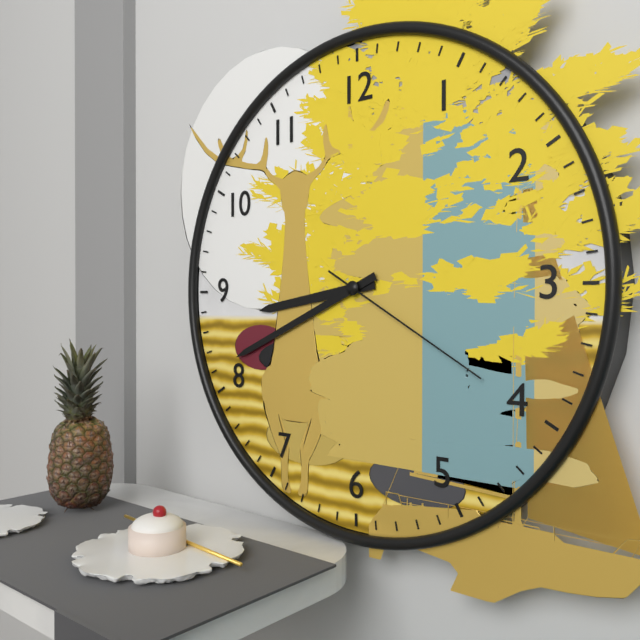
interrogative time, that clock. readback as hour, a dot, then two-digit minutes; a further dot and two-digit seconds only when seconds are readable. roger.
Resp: 8.41.20
